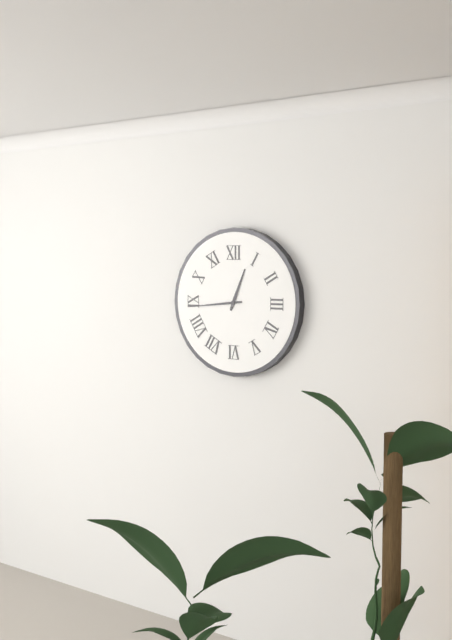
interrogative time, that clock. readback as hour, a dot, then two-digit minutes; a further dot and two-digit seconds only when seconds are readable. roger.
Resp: 12.44
